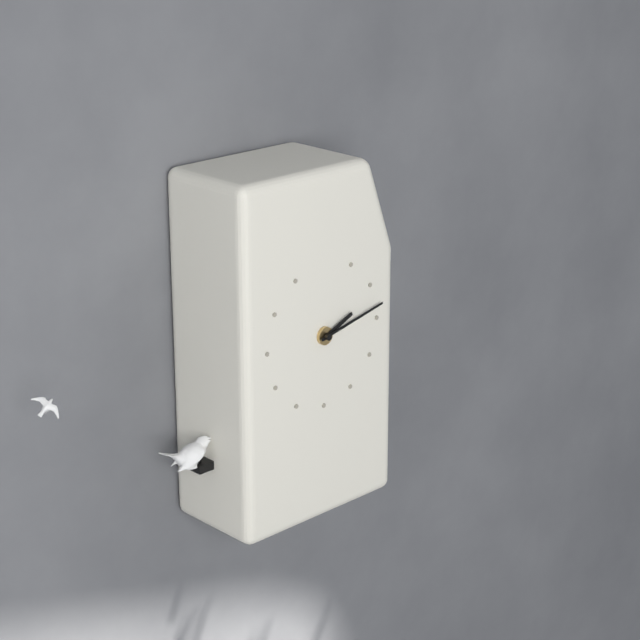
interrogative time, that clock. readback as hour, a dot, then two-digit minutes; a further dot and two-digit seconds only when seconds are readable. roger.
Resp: 2.13
